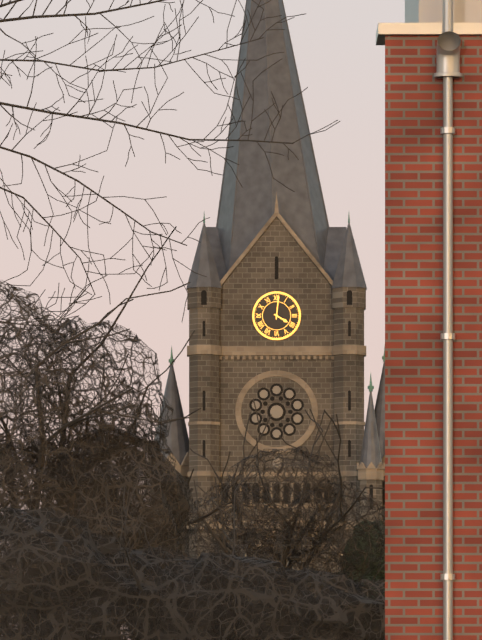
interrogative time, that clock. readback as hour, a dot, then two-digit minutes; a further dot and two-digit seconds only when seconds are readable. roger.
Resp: 4.01
